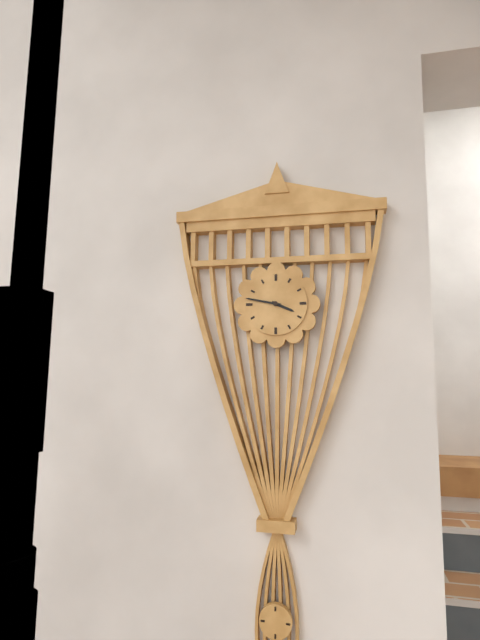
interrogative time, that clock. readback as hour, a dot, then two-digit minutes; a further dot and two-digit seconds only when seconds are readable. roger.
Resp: 3.47
